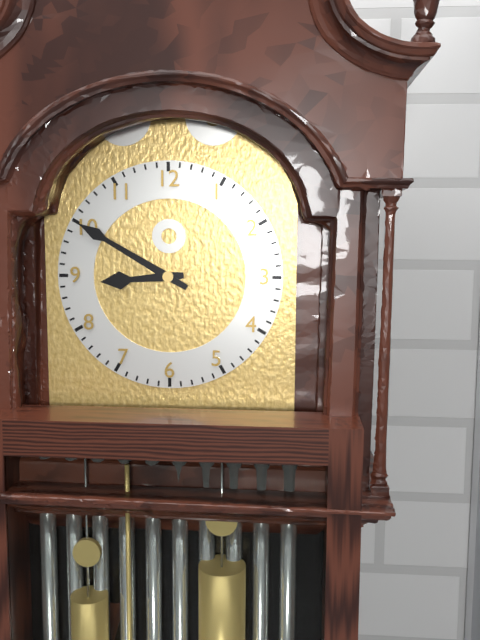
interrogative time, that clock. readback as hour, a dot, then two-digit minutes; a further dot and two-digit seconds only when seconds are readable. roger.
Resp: 8.50
